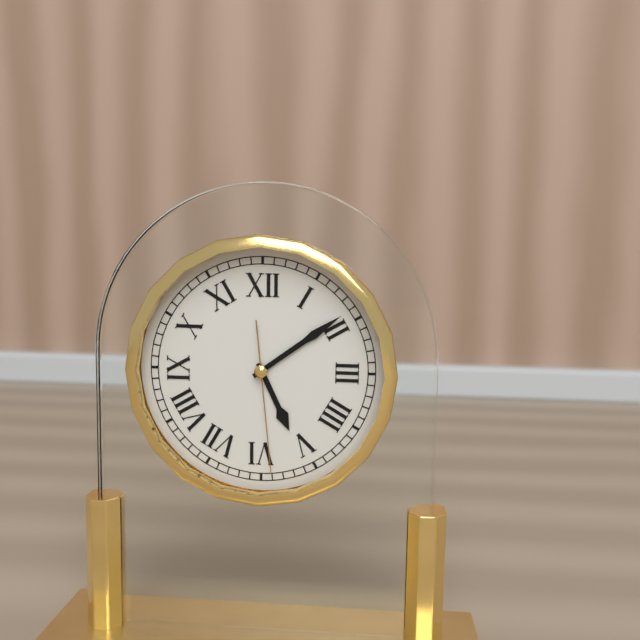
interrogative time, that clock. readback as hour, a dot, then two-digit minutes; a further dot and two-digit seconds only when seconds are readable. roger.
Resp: 5.09.29
